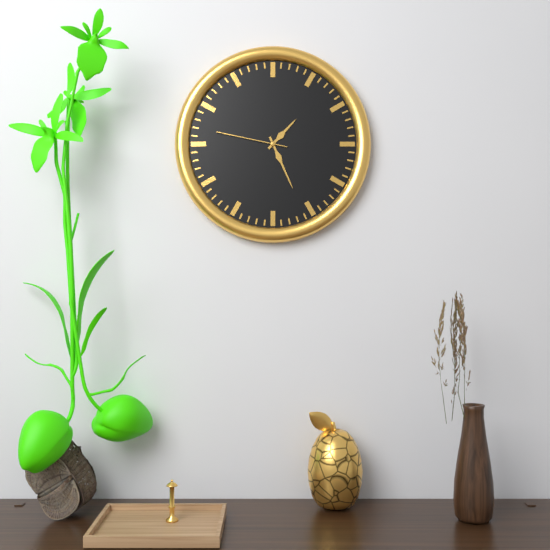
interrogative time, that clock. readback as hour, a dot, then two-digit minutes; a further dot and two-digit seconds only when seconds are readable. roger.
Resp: 1.26.47
